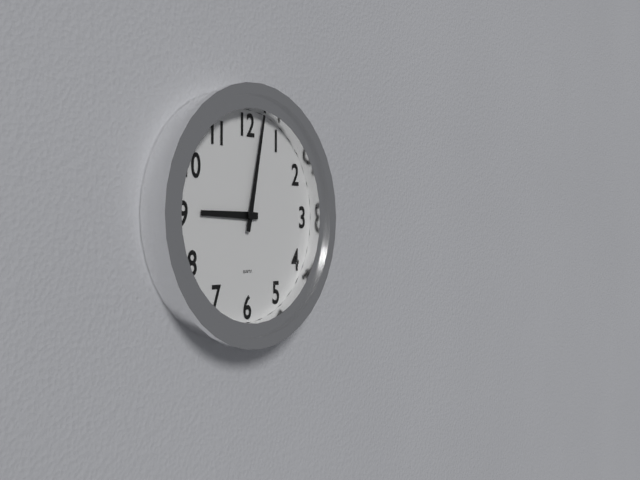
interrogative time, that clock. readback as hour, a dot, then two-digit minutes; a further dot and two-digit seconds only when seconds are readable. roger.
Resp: 9.02
